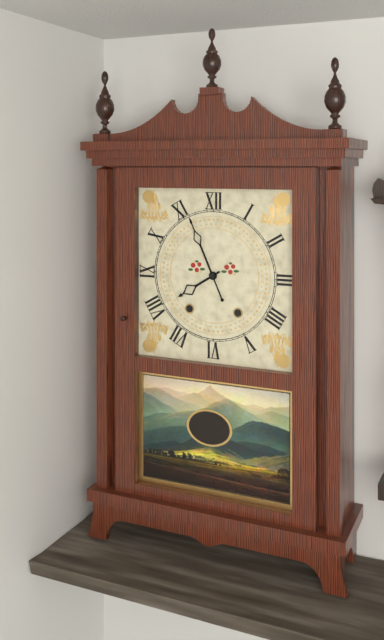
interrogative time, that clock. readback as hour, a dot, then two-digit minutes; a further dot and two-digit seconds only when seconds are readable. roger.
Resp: 7.56
